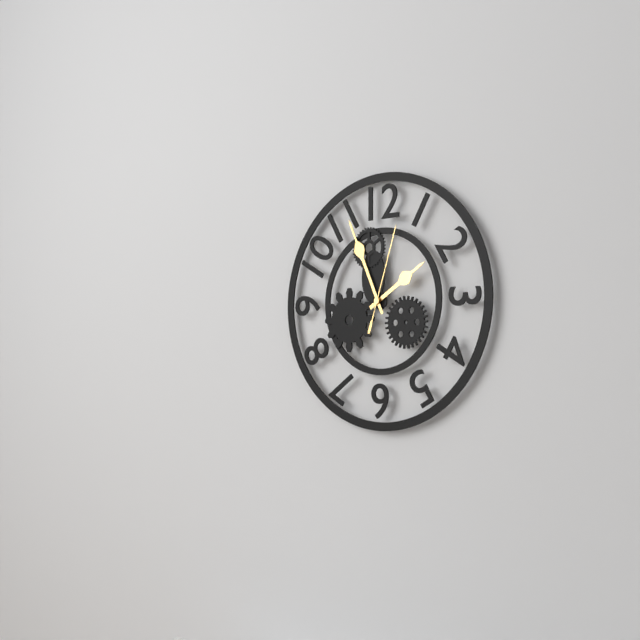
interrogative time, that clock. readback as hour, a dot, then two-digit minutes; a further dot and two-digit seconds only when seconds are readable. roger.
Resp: 1.56.03
